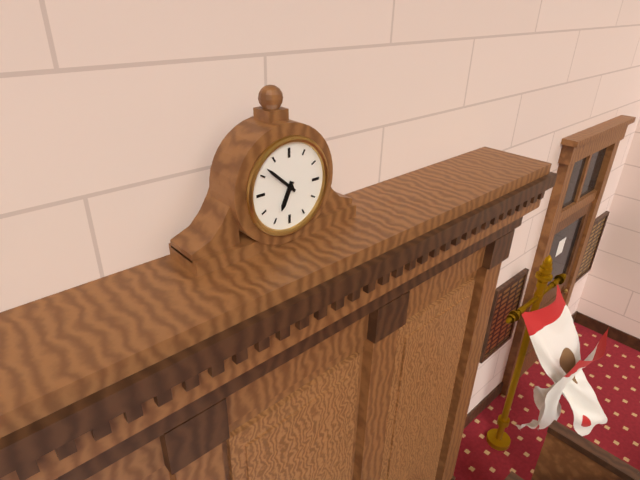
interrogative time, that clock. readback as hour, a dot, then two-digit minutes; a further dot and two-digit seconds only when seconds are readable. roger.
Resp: 6.52
